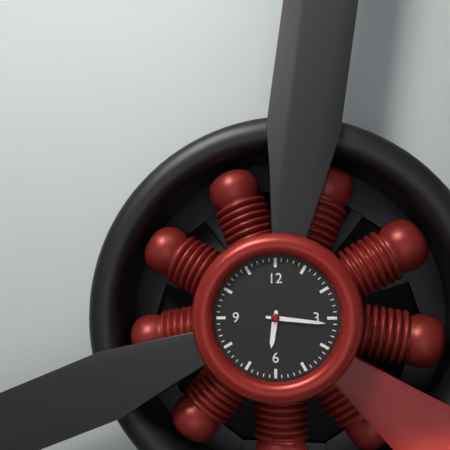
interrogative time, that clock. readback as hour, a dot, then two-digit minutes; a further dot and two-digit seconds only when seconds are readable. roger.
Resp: 6.16
